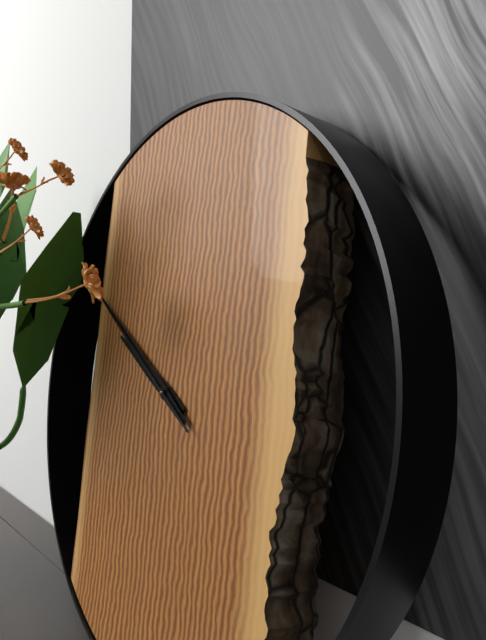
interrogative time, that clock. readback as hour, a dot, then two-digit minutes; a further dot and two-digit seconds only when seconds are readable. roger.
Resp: 9.50.50
